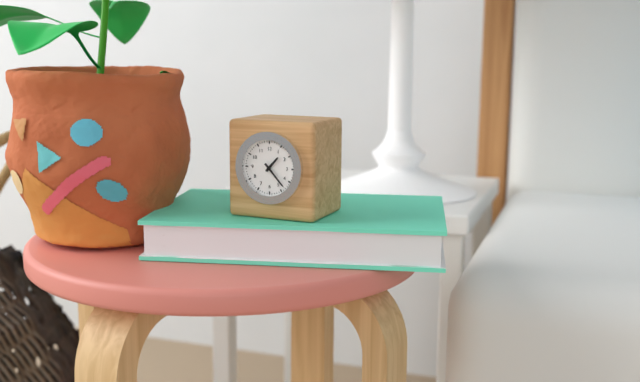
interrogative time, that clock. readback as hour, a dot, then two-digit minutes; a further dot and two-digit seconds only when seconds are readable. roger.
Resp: 1.23
